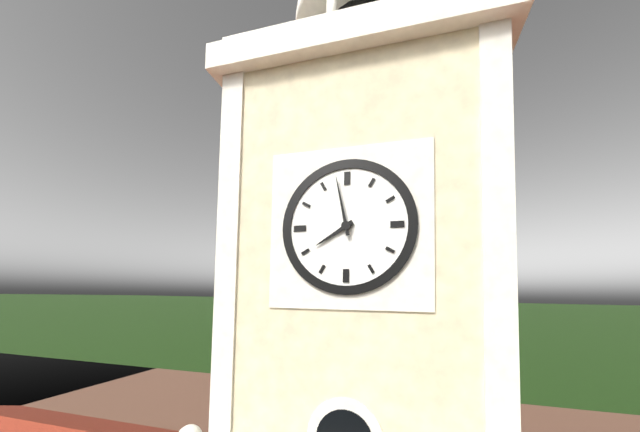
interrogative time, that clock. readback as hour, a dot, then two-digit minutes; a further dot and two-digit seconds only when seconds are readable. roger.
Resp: 7.58
